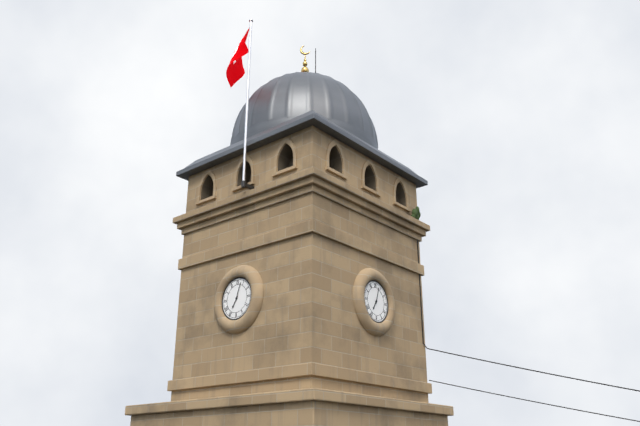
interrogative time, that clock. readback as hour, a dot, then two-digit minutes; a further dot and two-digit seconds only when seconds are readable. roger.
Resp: 7.03
